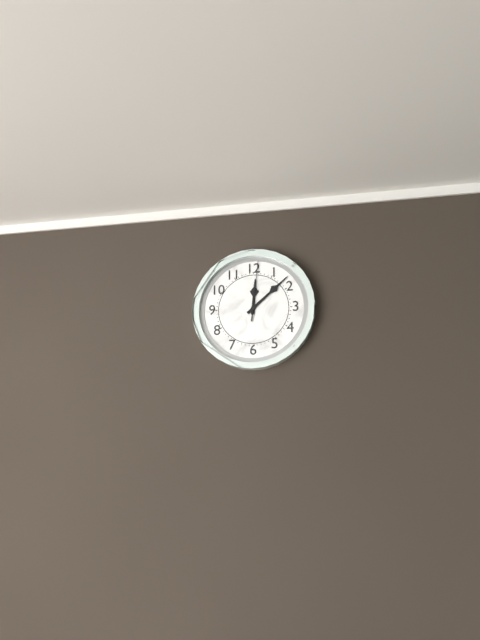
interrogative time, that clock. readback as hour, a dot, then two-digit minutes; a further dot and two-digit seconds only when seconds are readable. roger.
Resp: 12.08.01
